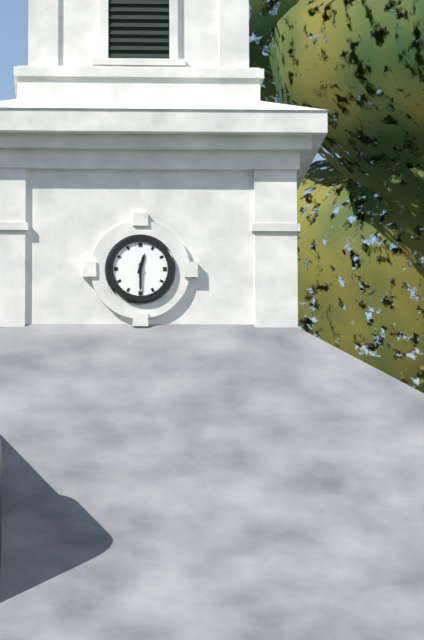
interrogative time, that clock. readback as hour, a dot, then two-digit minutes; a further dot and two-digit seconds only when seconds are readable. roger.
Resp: 12.30
